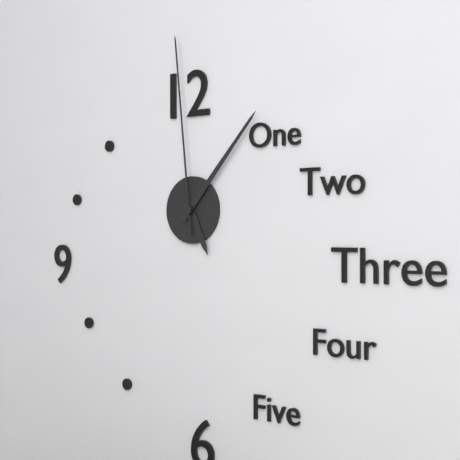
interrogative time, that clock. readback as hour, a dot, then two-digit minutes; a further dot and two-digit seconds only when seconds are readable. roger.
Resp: 5.07.59
